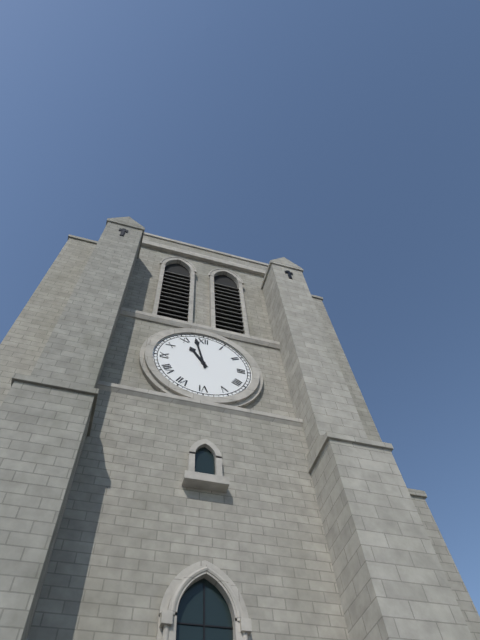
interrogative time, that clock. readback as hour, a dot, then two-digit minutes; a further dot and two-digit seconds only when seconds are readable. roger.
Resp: 10.58
